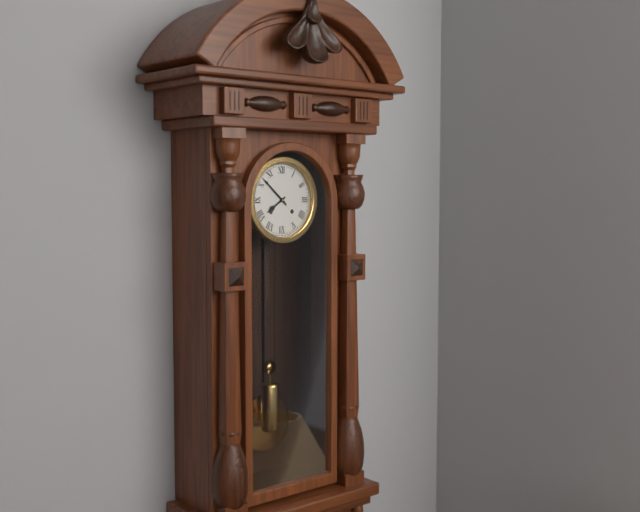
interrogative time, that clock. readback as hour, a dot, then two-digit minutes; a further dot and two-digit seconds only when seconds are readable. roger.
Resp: 7.52
